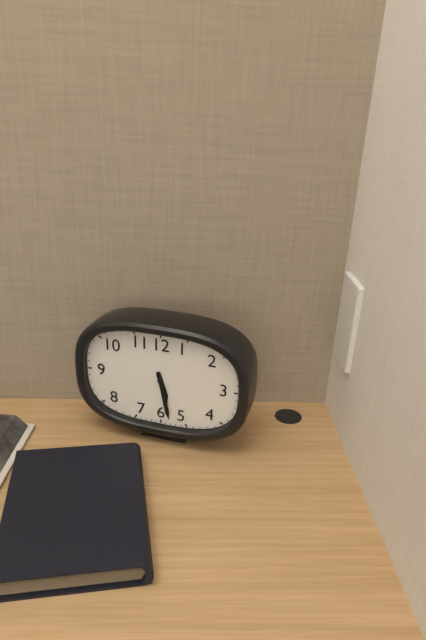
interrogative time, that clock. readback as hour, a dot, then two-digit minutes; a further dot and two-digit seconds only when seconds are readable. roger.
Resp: 5.28
